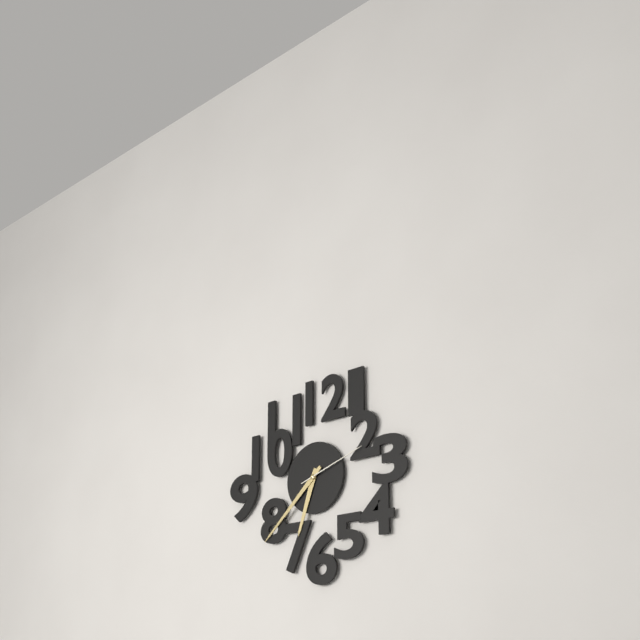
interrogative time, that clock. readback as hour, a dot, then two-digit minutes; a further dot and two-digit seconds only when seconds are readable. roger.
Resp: 6.38.12
